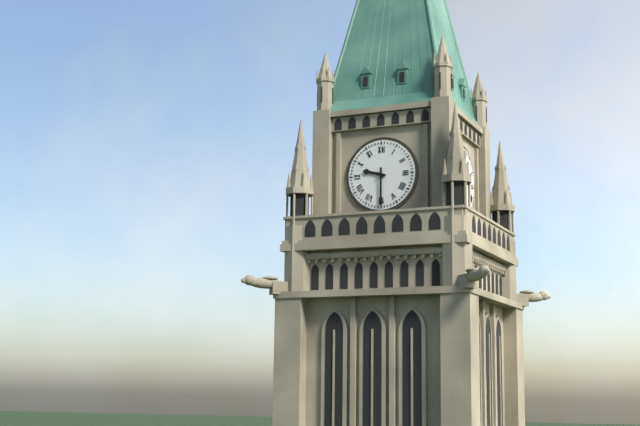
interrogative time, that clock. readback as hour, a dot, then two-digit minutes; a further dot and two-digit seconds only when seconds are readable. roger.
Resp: 9.30
